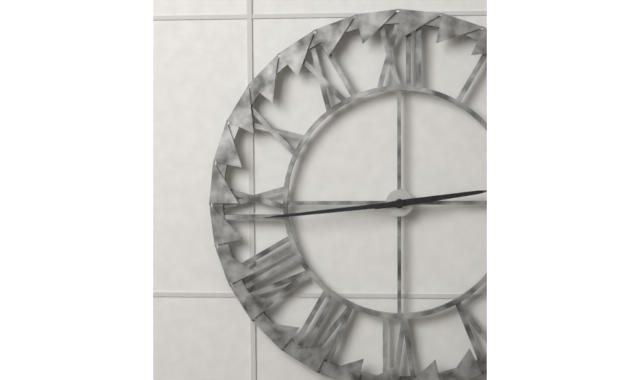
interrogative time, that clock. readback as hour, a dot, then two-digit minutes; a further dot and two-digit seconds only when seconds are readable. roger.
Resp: 2.44
